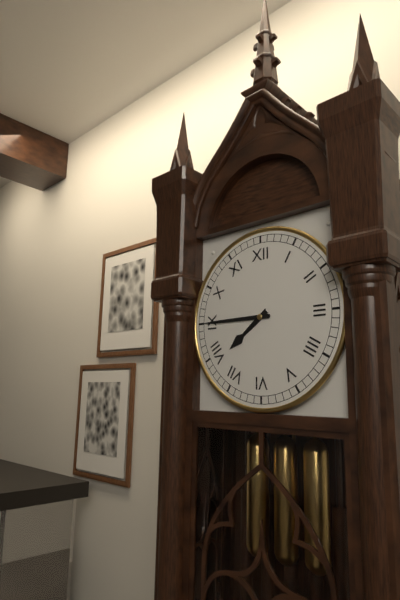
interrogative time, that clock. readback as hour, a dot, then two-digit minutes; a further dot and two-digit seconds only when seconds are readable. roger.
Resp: 7.45
